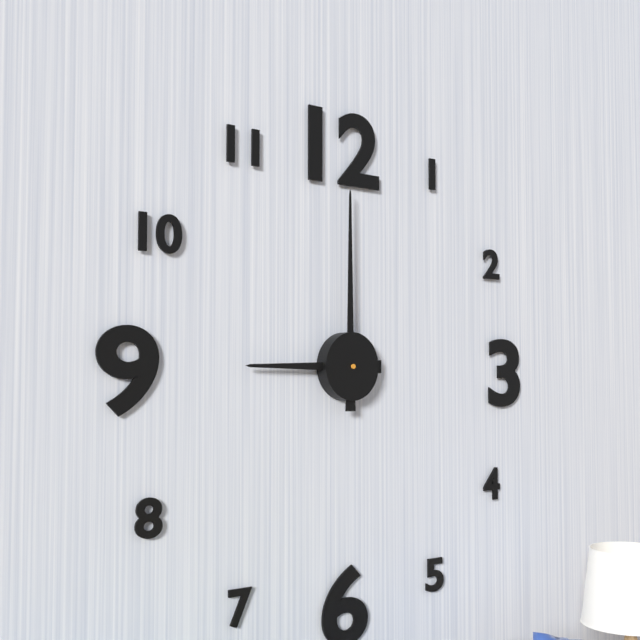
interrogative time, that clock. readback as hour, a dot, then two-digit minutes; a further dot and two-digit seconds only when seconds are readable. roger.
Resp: 9.00
